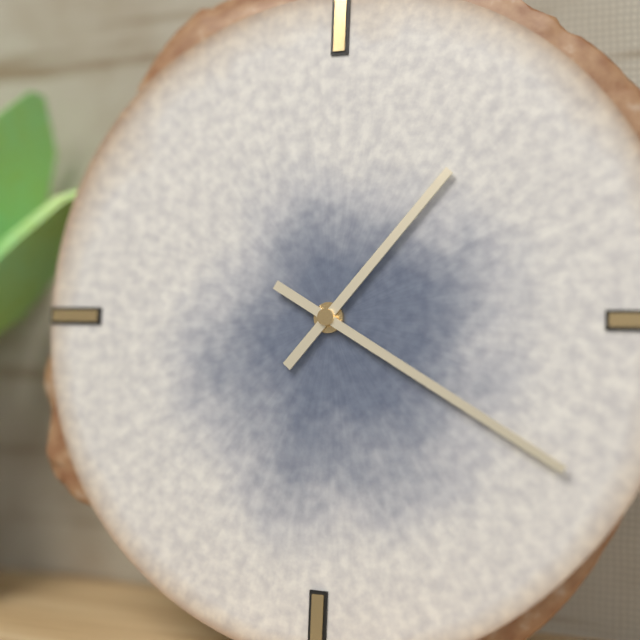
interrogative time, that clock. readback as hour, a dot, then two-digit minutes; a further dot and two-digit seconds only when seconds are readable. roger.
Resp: 1.20
